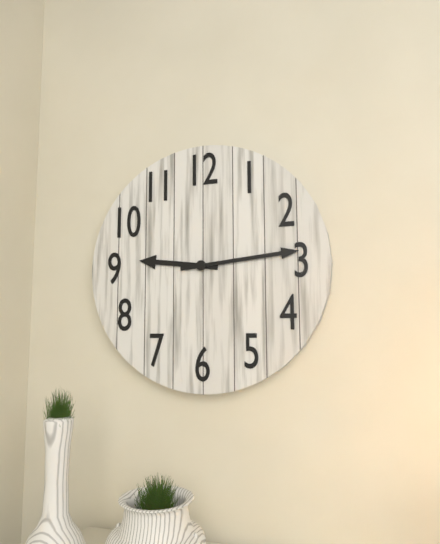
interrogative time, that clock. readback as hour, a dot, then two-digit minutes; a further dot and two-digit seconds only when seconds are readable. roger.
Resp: 9.14
